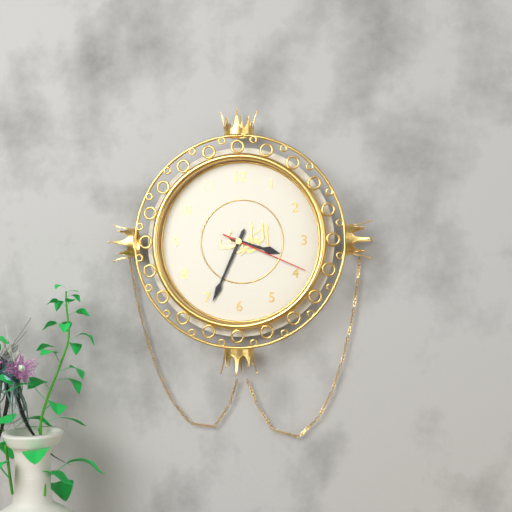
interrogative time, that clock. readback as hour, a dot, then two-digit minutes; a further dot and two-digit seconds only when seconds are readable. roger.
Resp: 3.34.19
